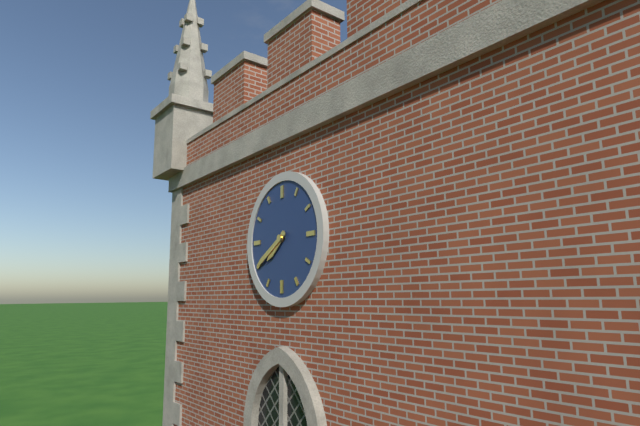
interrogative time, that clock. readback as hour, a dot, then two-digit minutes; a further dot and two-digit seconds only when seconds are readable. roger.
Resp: 7.40
